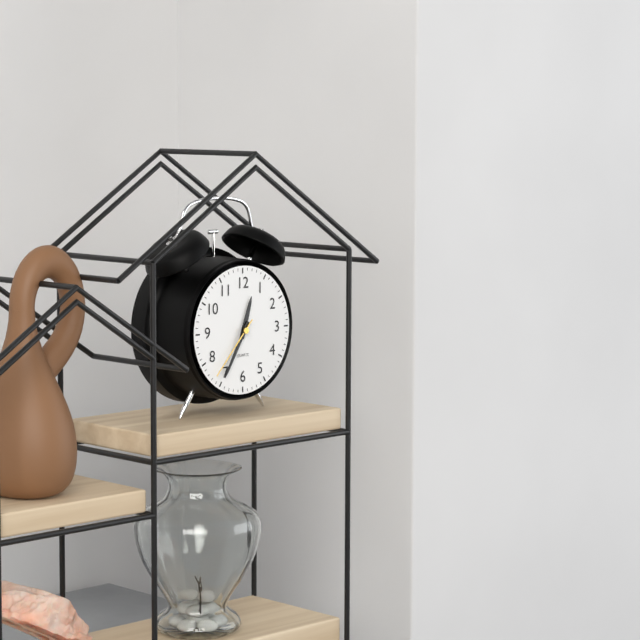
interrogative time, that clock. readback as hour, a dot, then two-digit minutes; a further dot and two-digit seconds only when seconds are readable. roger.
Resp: 12.35.37
